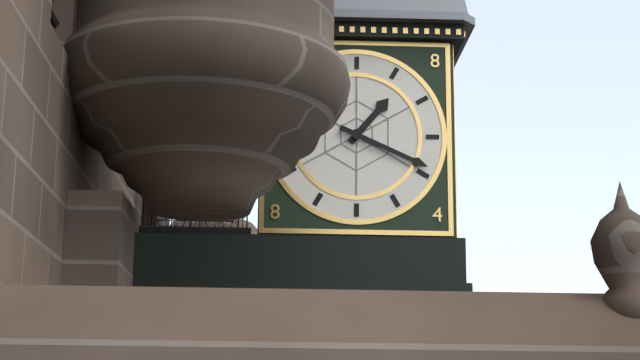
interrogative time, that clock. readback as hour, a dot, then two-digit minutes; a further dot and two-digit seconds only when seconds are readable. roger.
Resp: 1.19
